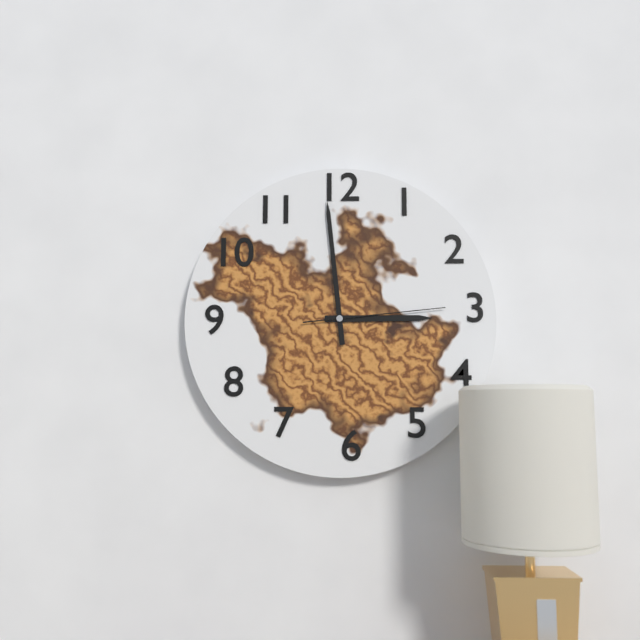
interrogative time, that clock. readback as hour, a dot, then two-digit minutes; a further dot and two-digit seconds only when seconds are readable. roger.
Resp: 2.59.14
